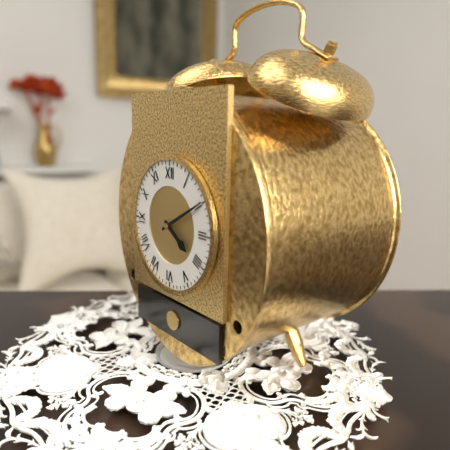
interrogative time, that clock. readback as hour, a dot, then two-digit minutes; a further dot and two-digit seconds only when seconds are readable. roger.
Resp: 4.10
